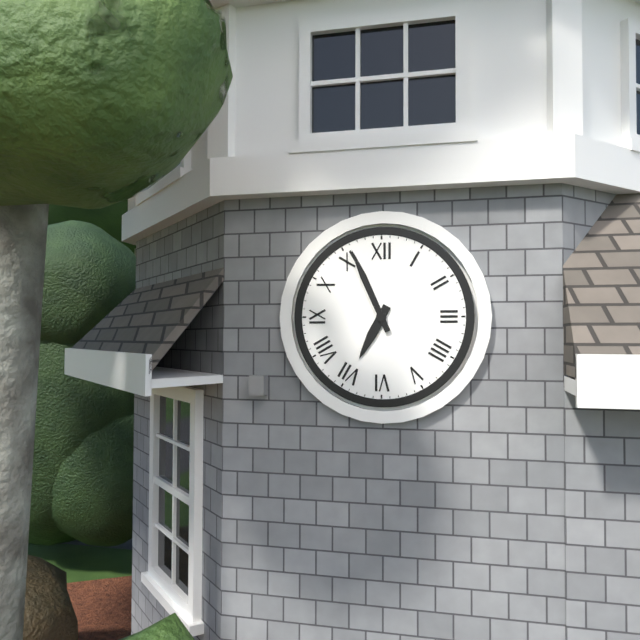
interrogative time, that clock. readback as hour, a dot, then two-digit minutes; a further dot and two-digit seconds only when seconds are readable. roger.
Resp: 6.56
